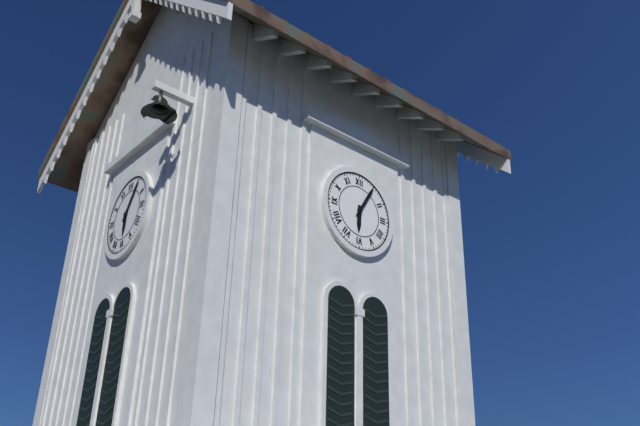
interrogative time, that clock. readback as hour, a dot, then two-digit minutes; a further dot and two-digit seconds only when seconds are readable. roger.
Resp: 6.05
